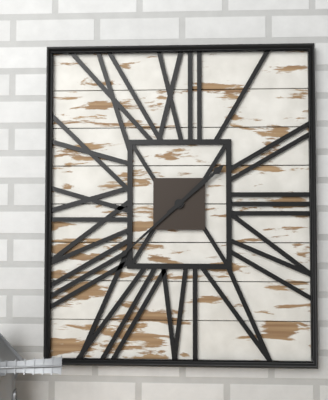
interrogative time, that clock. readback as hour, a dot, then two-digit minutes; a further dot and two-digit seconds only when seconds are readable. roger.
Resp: 1.38
